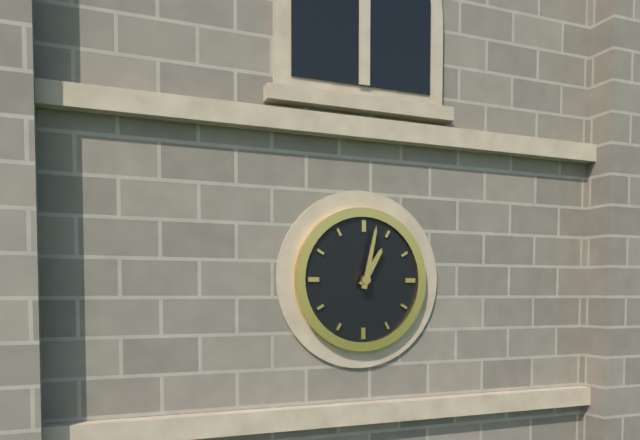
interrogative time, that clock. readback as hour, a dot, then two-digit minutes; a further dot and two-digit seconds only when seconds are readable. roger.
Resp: 1.02
